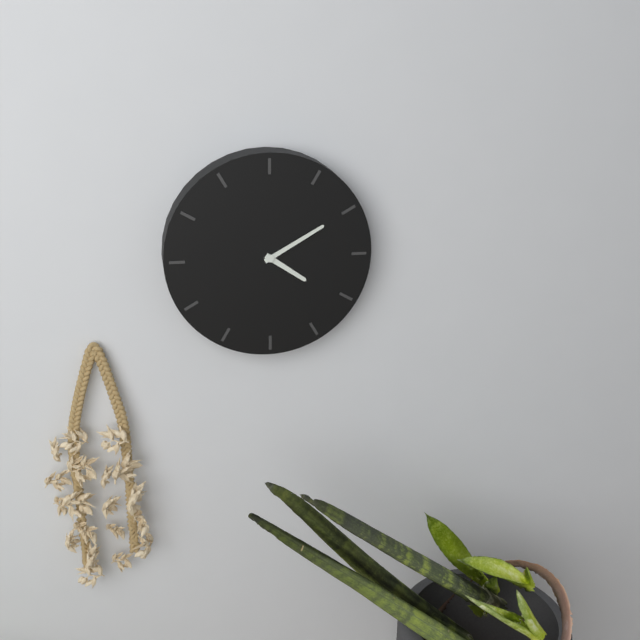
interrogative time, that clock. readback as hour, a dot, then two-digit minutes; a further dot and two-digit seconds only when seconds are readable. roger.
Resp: 4.10
